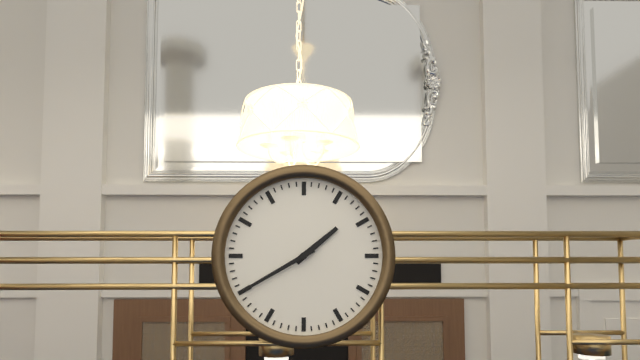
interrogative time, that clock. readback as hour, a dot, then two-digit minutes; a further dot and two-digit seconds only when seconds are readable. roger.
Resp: 1.40
